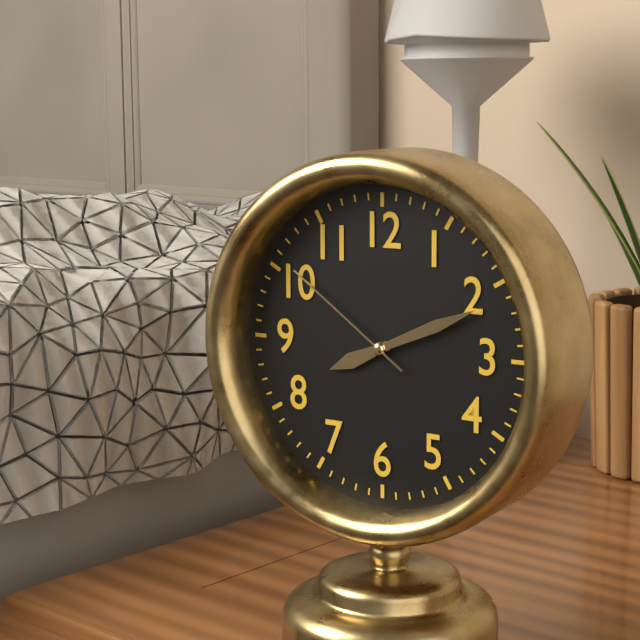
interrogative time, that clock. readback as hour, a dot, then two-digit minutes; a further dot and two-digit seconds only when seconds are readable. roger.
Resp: 8.11.51
